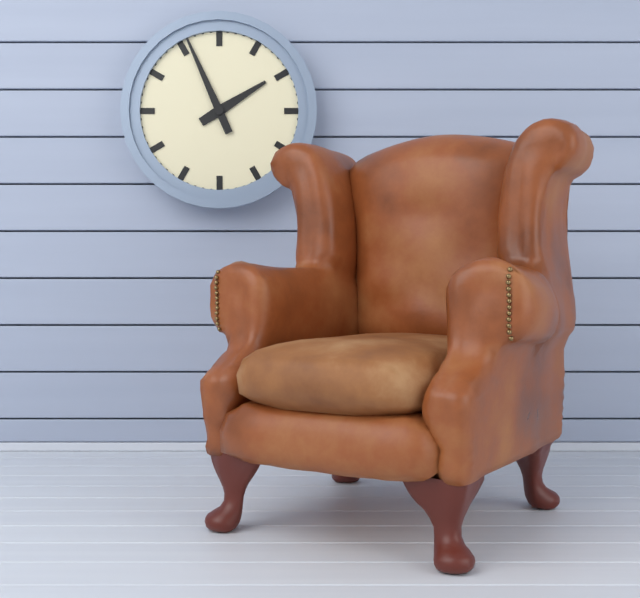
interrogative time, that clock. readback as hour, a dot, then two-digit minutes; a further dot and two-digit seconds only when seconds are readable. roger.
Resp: 1.56
